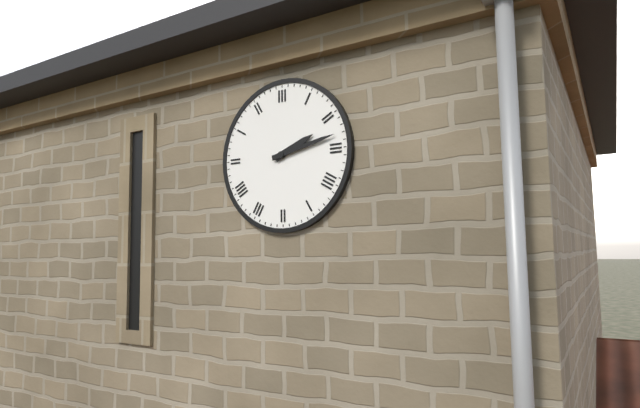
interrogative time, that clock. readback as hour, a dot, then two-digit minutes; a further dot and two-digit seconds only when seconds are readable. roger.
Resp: 2.13
